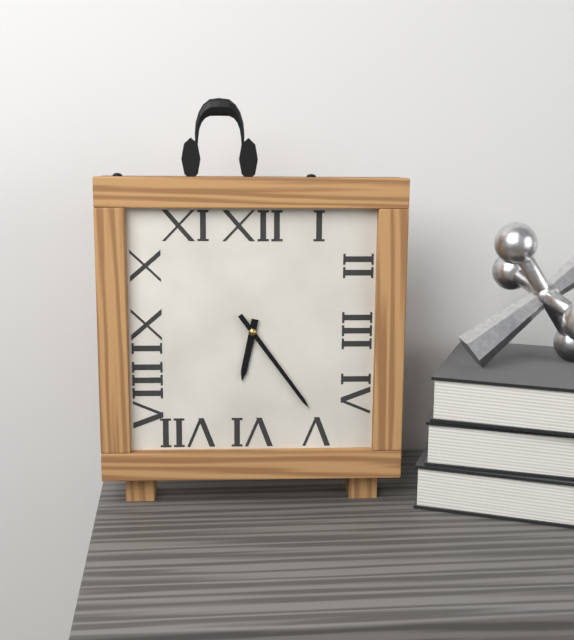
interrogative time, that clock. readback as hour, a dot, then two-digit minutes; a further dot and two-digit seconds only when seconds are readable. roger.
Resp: 6.24
